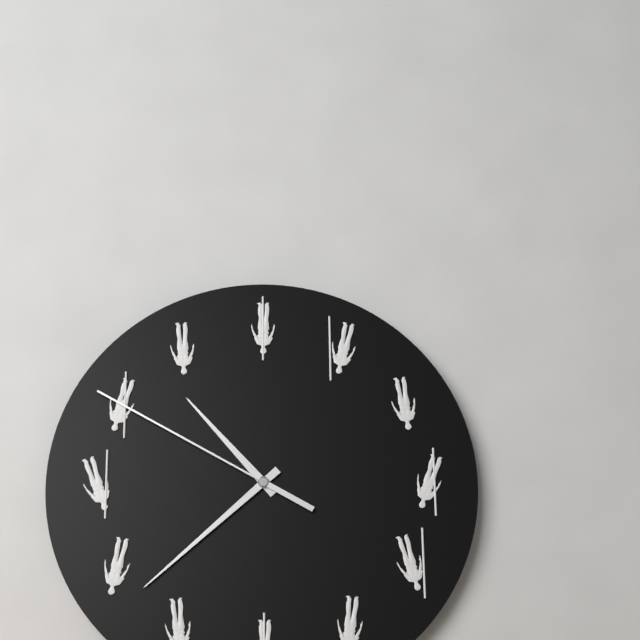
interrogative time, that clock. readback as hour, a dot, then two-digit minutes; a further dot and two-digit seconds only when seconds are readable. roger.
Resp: 10.38.50
